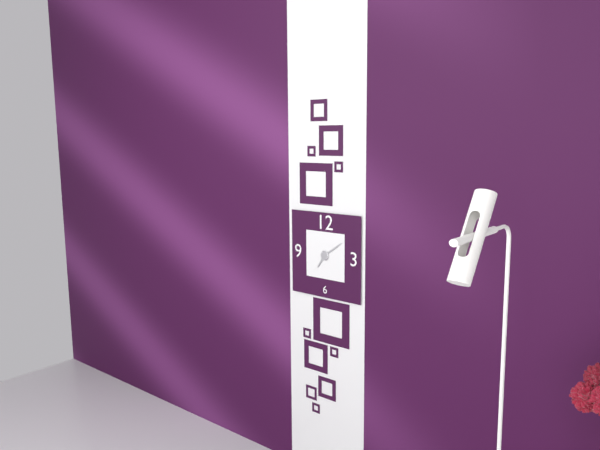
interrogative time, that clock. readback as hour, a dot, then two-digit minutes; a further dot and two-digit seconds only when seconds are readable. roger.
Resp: 7.09
